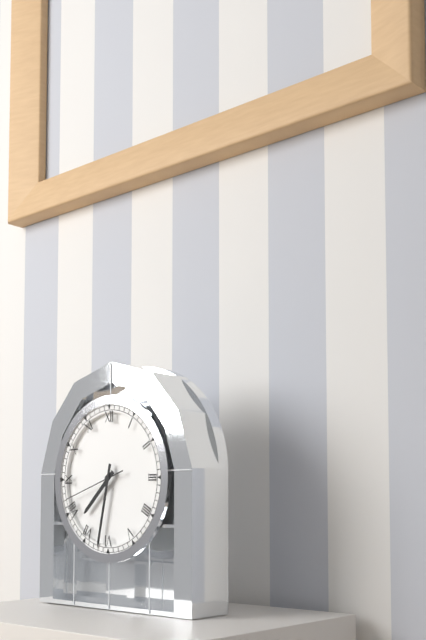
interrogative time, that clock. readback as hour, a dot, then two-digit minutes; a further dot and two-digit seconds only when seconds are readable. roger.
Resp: 7.32.42
